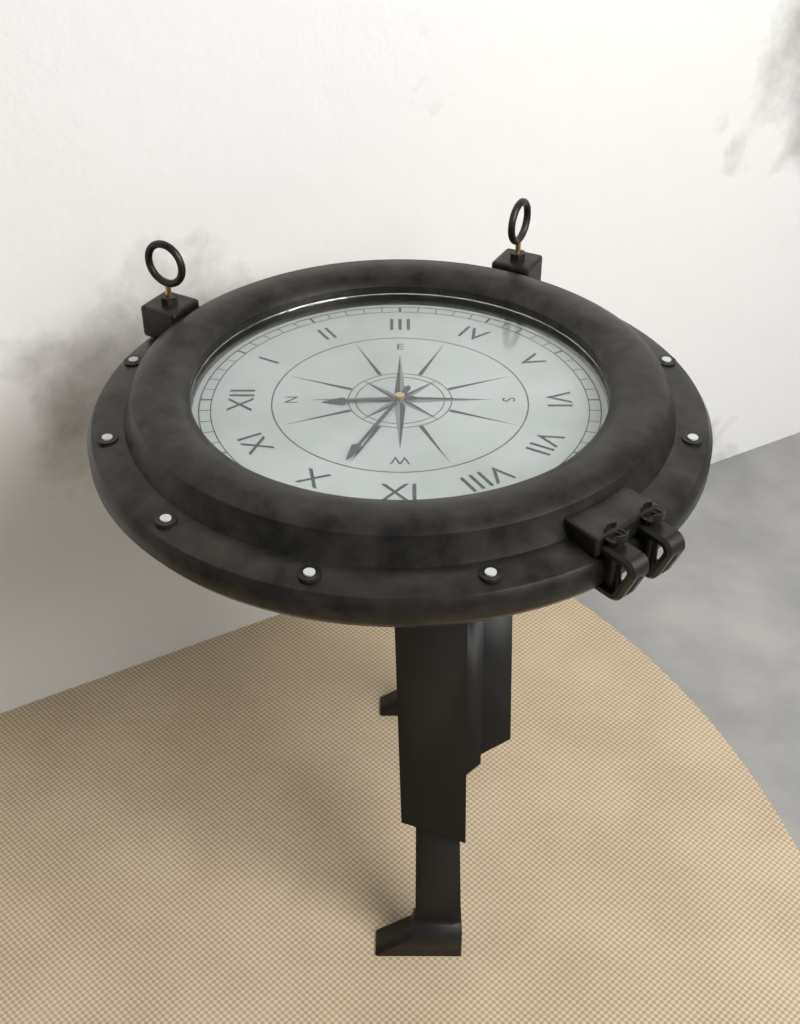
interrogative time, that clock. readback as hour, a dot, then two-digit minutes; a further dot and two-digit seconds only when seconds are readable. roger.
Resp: 11.49
